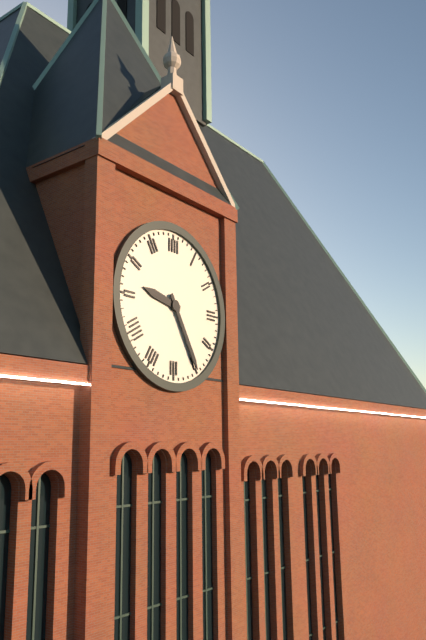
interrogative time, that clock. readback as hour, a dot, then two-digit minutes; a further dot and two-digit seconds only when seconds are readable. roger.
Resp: 9.25
